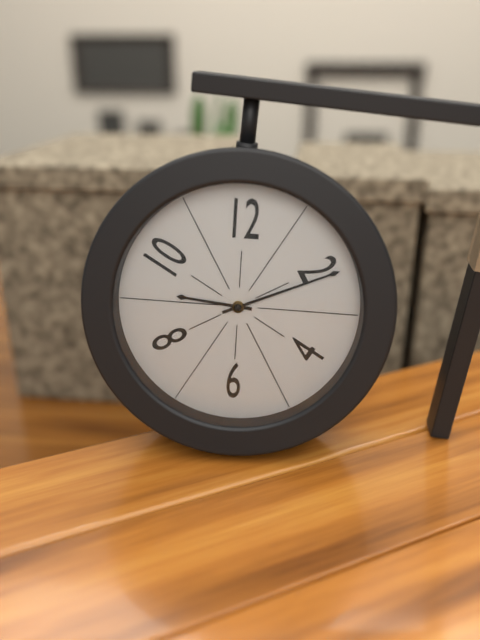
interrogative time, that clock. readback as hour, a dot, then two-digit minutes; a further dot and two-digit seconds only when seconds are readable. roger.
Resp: 9.11
